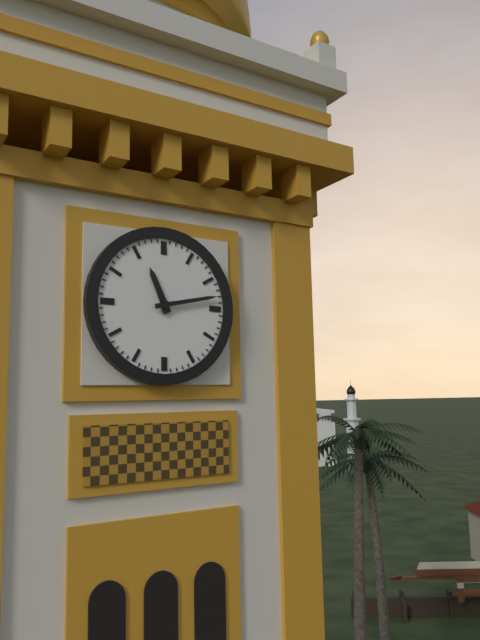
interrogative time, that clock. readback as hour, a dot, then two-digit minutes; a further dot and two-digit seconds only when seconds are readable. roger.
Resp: 11.13
